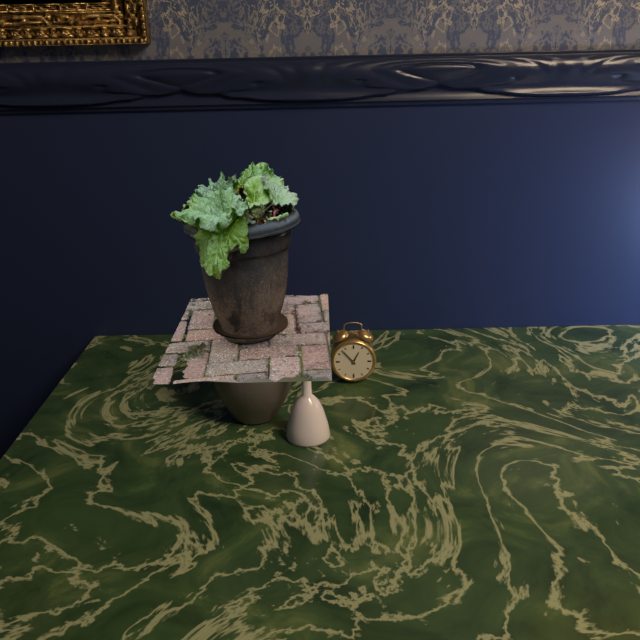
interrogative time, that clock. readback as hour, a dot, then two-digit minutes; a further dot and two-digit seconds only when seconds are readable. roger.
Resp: 12.53
